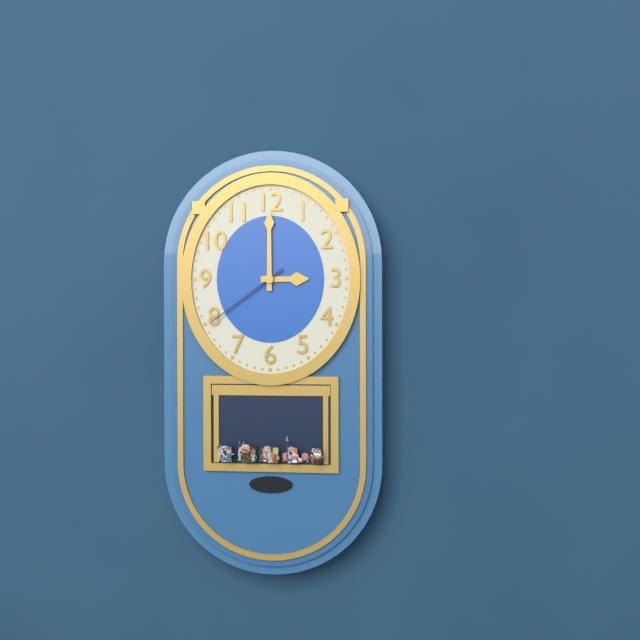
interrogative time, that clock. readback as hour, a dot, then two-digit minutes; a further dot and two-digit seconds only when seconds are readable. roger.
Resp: 3.00.39
